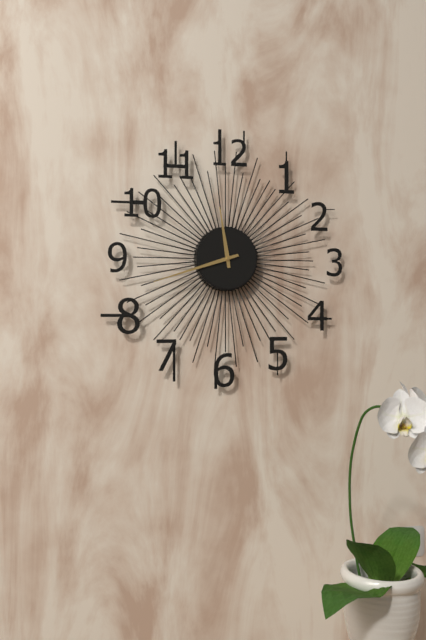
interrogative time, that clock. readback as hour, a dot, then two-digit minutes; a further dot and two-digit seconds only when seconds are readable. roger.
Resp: 11.42
